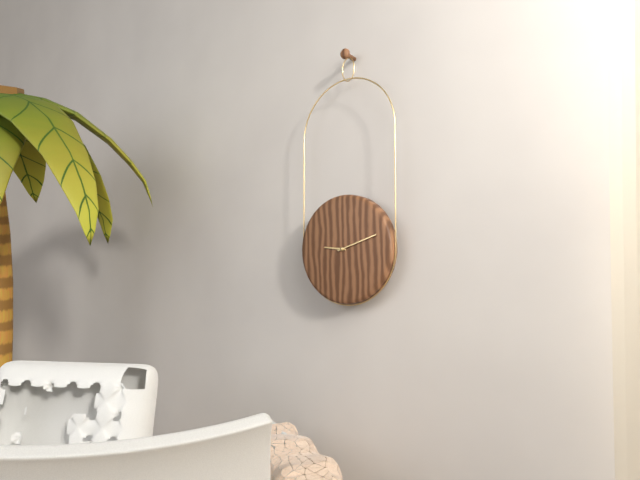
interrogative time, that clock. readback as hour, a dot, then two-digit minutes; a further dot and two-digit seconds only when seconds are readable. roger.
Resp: 9.12
